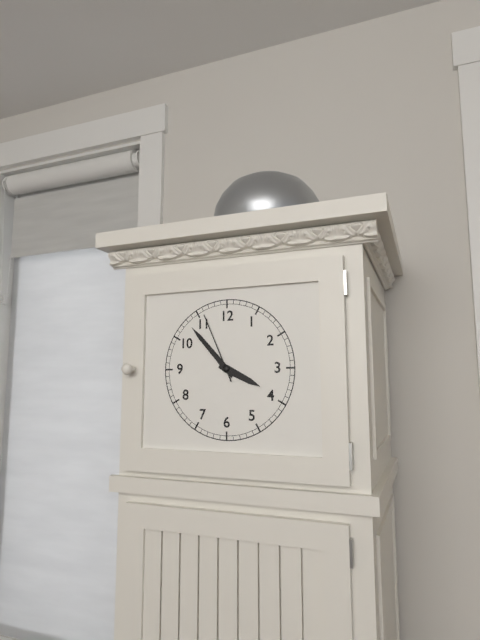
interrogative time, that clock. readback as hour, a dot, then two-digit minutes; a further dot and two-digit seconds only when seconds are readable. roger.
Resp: 3.53.56
